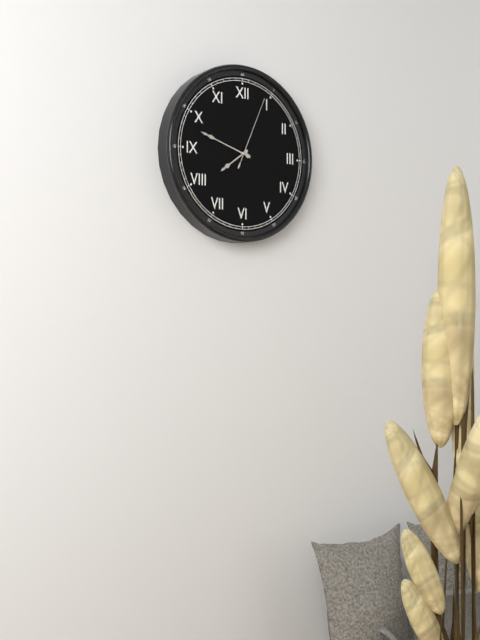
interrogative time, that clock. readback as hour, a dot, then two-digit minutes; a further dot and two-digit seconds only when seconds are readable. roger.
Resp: 7.48.04
